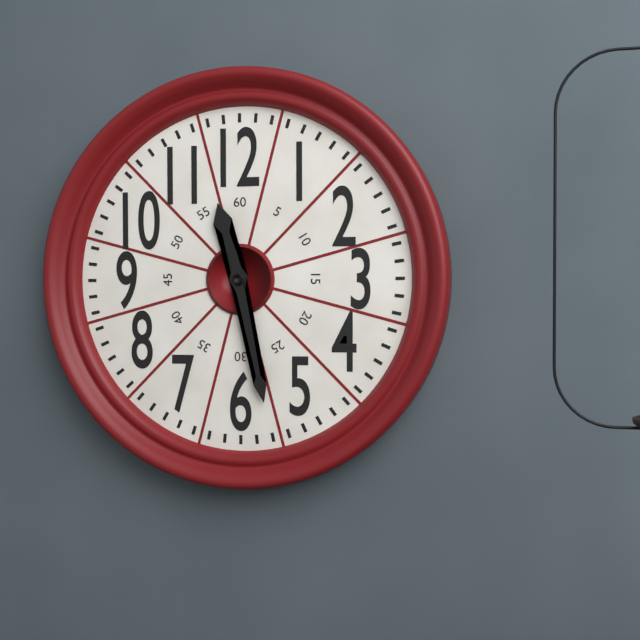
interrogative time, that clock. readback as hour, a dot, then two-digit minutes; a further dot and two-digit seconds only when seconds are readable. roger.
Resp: 11.28
